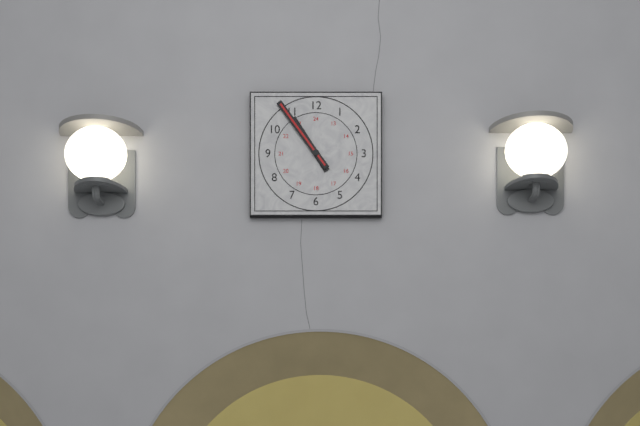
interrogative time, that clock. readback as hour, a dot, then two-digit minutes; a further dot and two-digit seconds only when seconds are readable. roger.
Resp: 10.54
